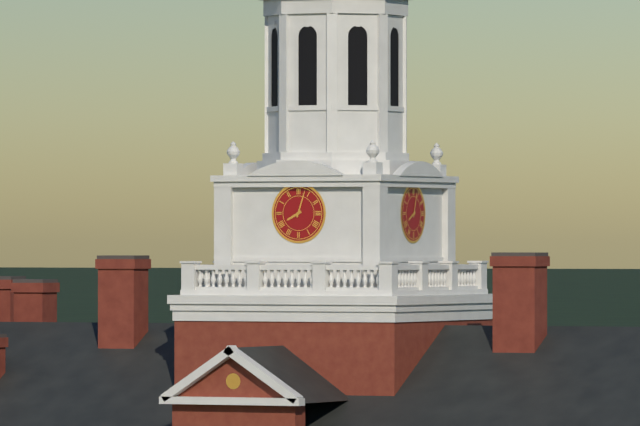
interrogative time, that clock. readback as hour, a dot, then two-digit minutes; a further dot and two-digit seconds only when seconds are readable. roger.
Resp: 8.03
